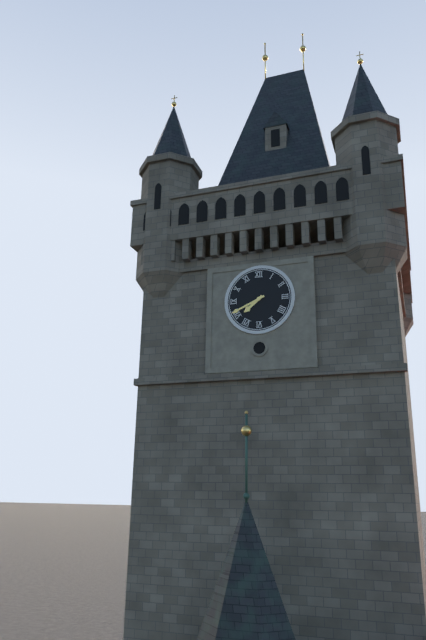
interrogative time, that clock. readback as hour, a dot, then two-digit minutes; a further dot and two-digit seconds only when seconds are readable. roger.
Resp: 7.41
